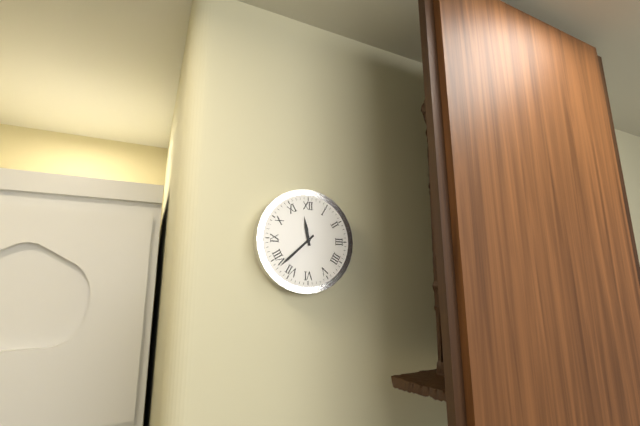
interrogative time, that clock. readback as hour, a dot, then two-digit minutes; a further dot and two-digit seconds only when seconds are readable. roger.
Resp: 11.38
